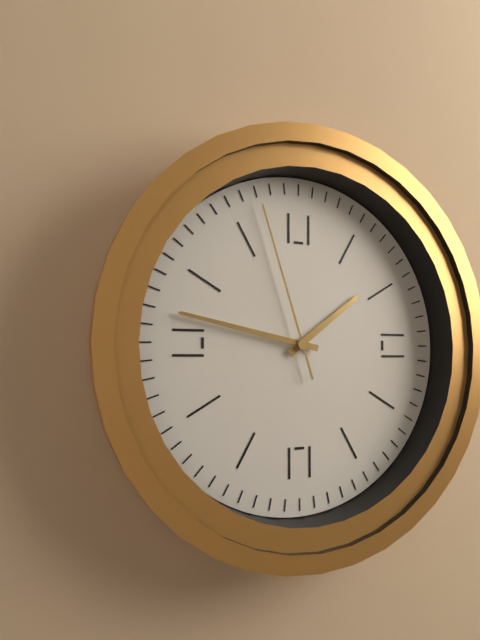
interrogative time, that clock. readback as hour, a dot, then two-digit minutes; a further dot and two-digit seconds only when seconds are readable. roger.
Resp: 1.47.57
